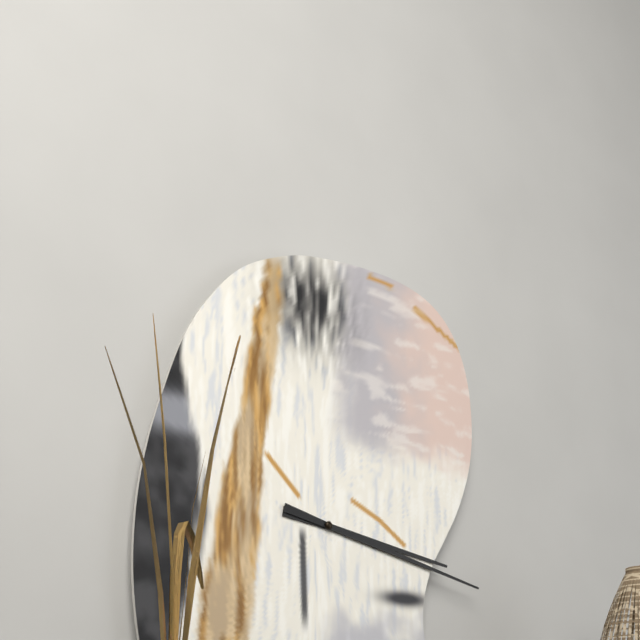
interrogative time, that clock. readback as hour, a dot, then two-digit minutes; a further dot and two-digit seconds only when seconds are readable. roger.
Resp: 3.17
